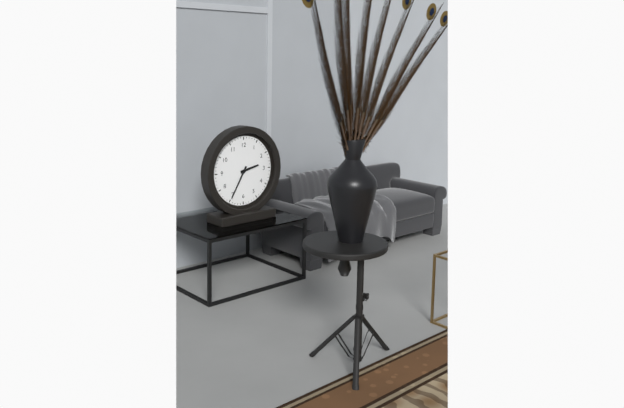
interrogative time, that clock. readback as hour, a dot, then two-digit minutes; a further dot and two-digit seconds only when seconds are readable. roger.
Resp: 2.35
